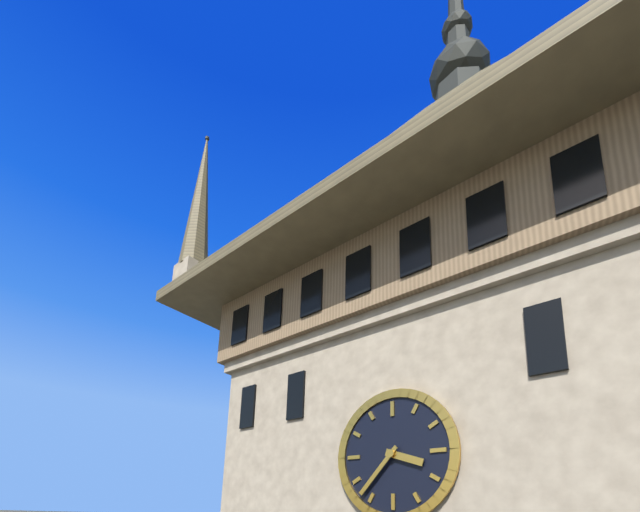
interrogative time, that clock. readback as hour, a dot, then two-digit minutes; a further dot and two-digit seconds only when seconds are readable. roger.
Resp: 3.37
